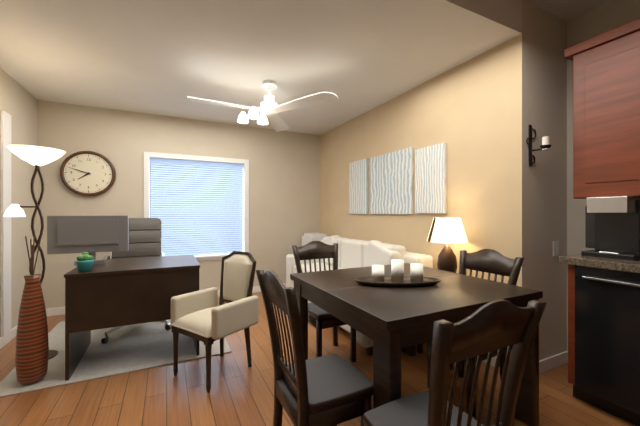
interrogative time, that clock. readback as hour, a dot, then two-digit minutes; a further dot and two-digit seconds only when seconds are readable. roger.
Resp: 7.48
